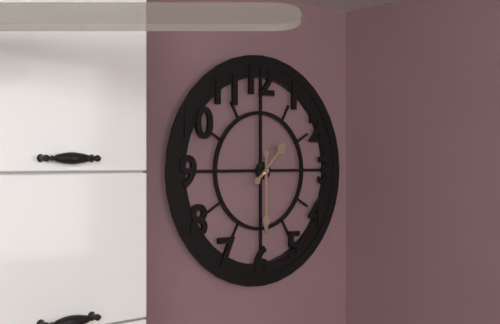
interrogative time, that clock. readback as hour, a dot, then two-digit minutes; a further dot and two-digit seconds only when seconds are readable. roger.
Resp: 1.30
